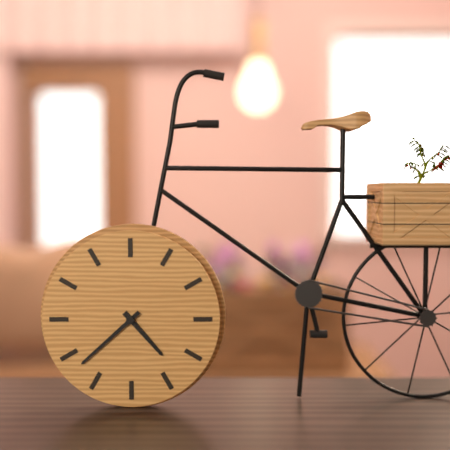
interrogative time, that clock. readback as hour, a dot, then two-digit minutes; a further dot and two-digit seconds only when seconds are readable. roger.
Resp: 4.38
